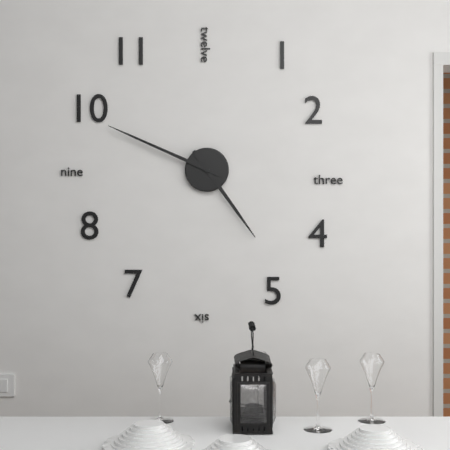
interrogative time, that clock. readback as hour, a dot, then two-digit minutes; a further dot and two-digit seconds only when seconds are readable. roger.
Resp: 4.49
